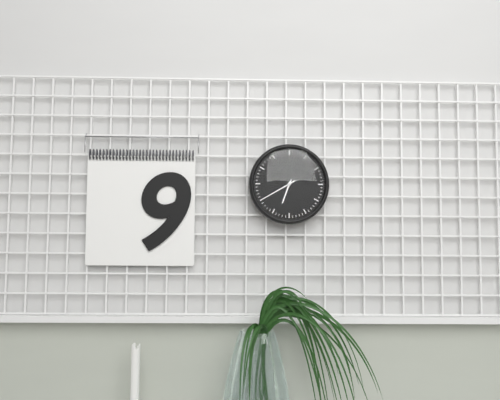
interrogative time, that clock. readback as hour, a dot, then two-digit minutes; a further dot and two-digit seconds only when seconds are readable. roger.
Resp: 6.40
